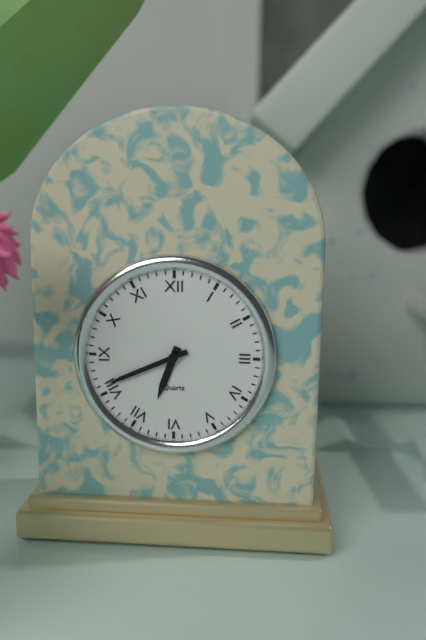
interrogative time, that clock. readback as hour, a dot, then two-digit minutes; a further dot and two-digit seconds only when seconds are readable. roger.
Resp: 6.41
